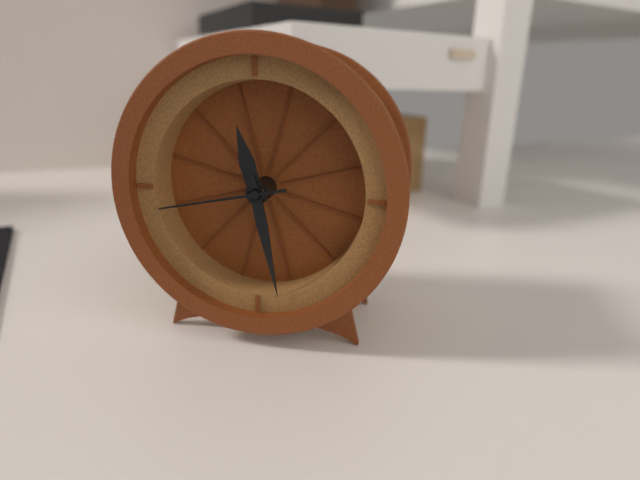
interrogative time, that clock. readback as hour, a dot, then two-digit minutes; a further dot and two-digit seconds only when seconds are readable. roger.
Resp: 11.28.43
